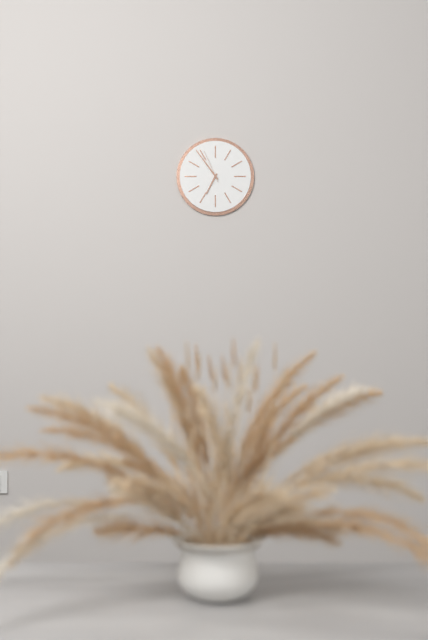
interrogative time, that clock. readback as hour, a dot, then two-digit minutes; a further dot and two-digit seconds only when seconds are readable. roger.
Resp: 6.54
